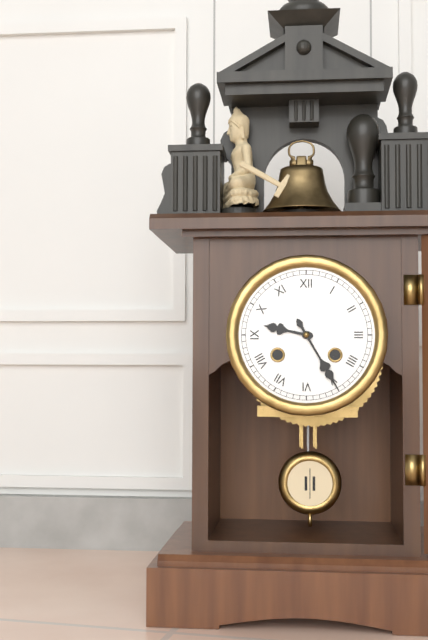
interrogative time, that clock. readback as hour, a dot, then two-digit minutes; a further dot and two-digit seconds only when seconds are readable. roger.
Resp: 9.25
